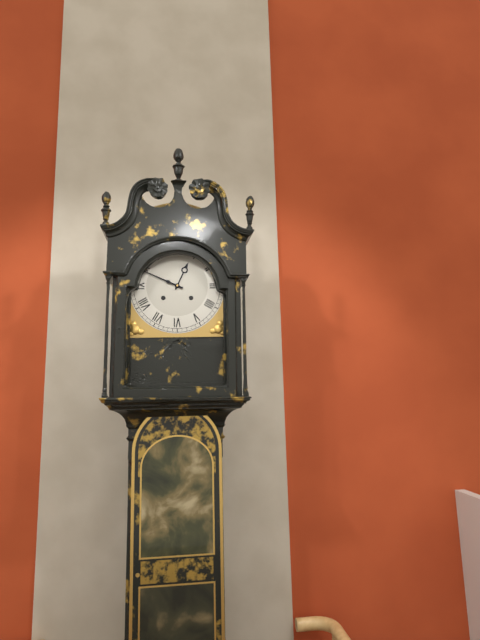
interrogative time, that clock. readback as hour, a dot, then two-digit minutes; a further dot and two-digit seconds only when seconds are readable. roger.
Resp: 12.49
